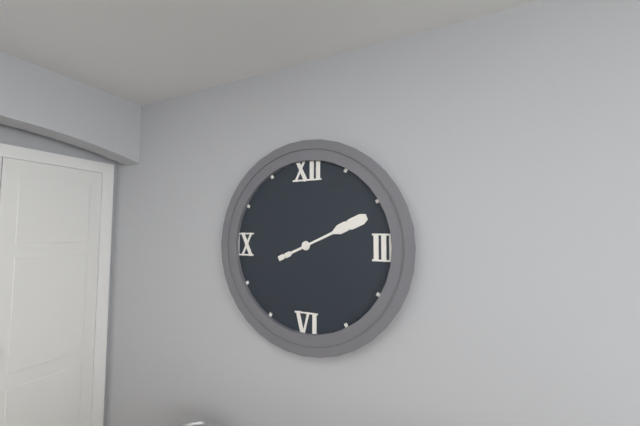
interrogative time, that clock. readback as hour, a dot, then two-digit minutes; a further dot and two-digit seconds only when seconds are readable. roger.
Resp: 2.11
